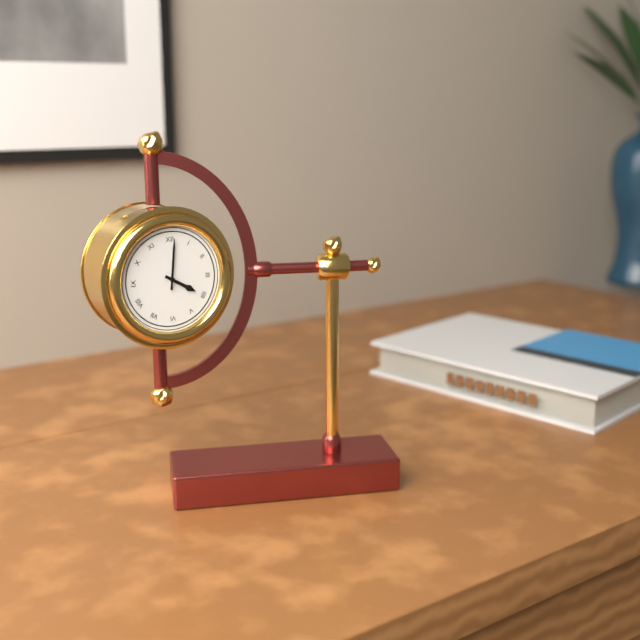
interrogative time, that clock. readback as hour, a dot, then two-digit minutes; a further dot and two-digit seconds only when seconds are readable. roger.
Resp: 4.01
